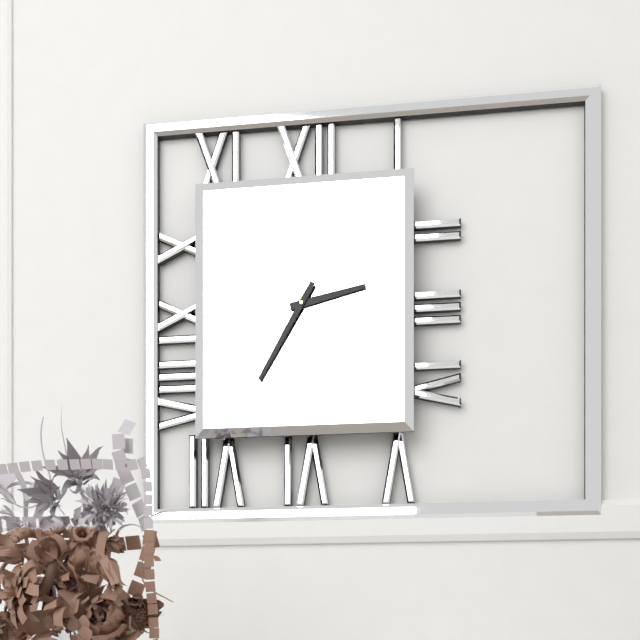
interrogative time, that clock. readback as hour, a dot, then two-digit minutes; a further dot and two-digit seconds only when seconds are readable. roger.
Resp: 2.35
